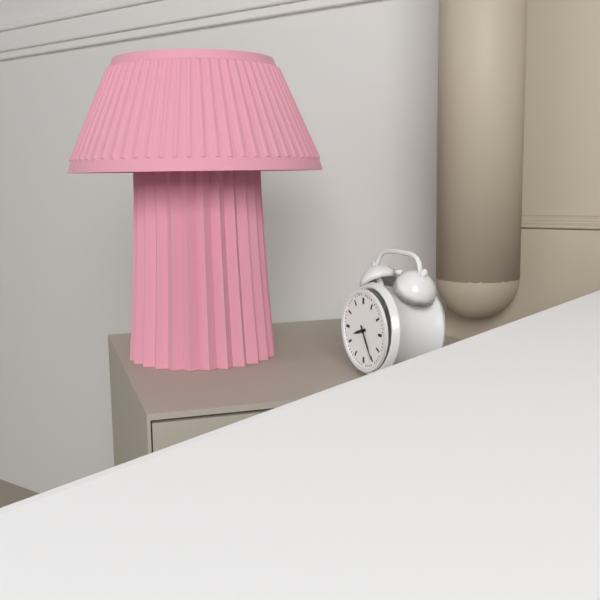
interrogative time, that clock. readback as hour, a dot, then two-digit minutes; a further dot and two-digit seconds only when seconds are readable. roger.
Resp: 8.25
